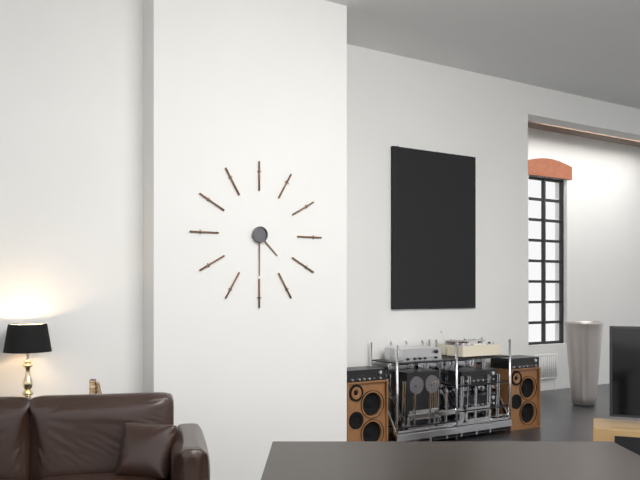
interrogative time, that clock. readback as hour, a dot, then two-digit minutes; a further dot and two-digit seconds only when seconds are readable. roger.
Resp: 4.30
